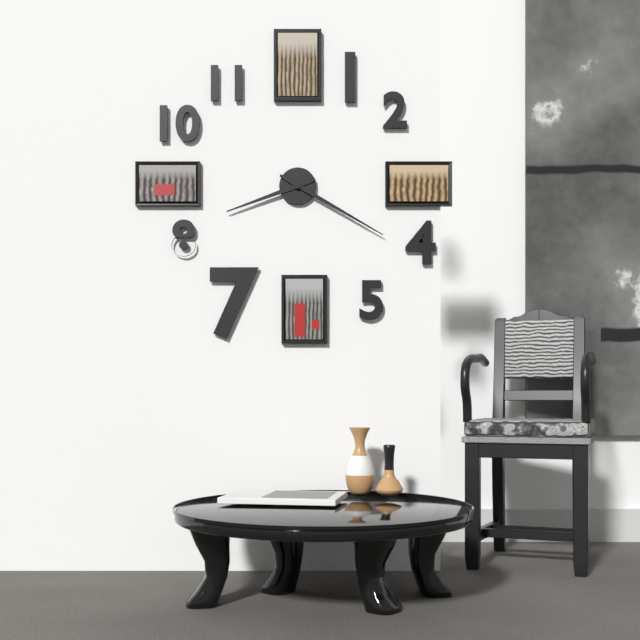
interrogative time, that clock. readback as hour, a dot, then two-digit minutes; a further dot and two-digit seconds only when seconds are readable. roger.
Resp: 8.20
